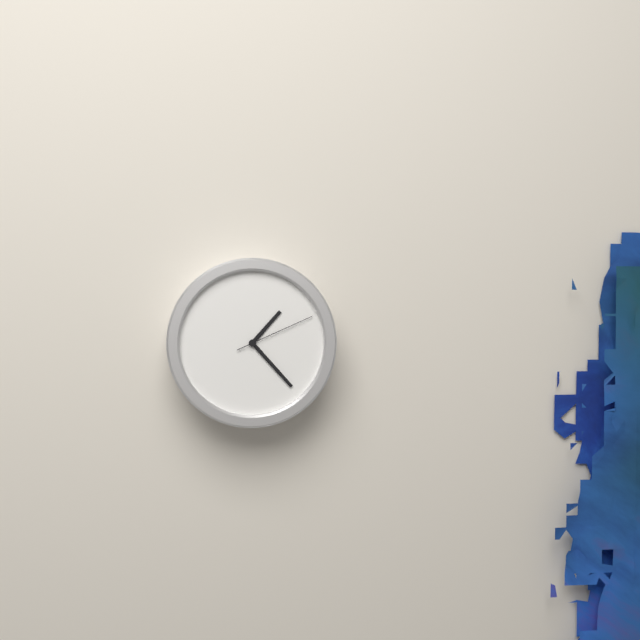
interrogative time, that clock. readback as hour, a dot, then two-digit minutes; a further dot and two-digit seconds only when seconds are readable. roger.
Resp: 1.23.11
